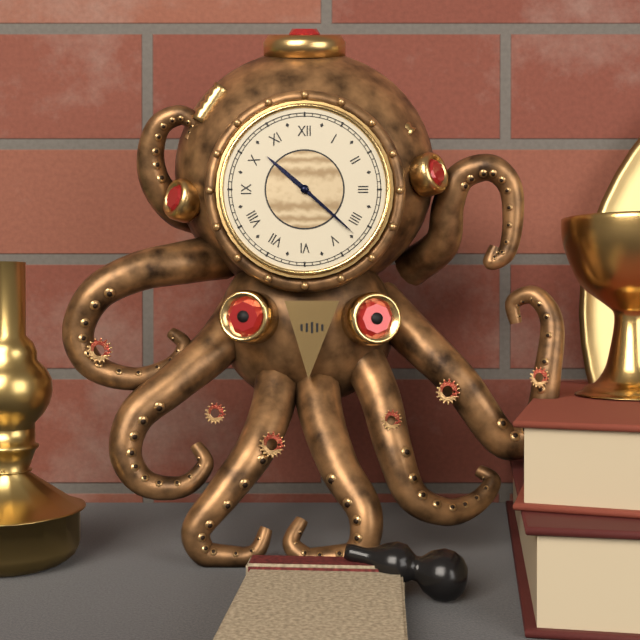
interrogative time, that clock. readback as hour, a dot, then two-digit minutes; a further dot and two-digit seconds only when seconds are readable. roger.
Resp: 10.22
